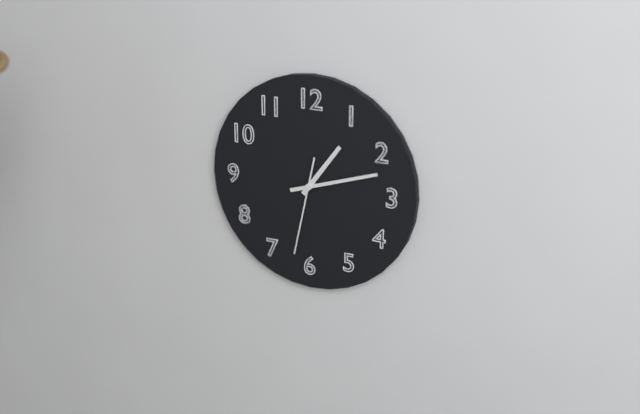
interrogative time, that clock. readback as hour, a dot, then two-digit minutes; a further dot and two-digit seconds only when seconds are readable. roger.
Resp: 1.12.32
